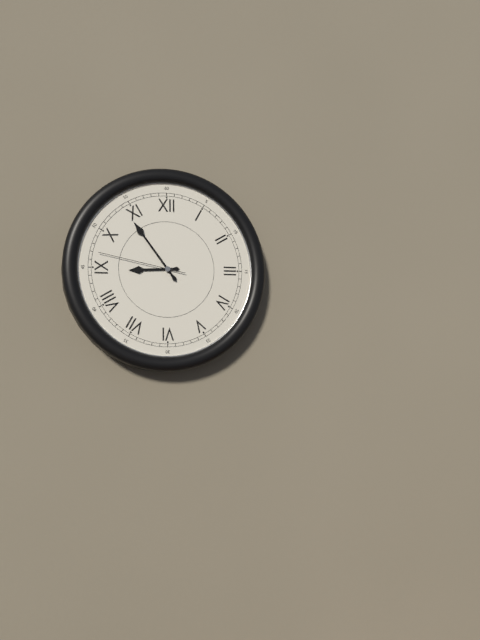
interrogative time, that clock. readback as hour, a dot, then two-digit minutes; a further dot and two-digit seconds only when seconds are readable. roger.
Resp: 8.54.47
